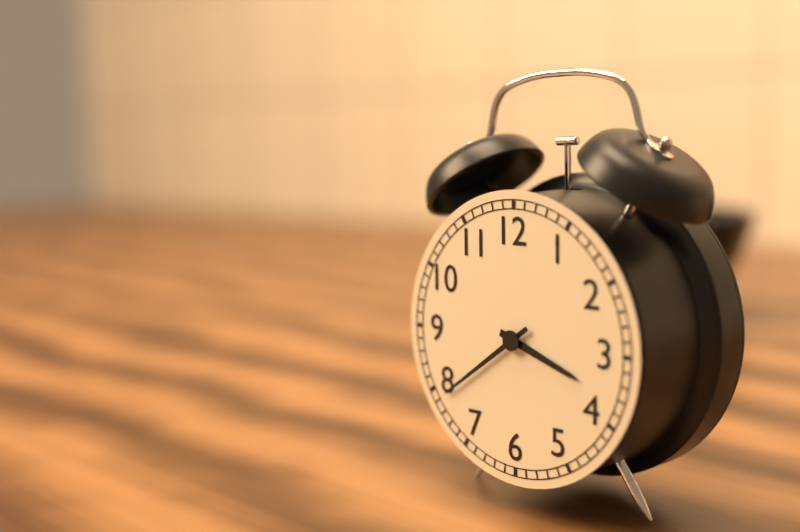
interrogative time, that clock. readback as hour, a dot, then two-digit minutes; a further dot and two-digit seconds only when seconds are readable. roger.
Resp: 3.39
